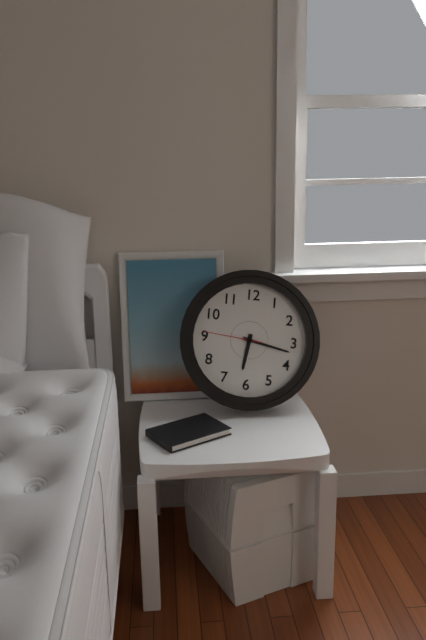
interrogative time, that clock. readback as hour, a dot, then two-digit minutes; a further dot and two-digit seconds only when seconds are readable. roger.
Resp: 6.17.46
